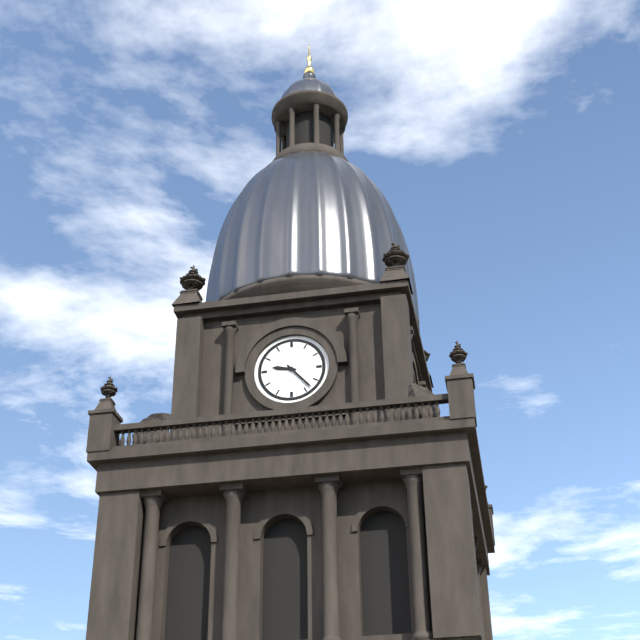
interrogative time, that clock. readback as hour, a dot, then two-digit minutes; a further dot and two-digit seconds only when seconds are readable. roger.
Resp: 9.23
